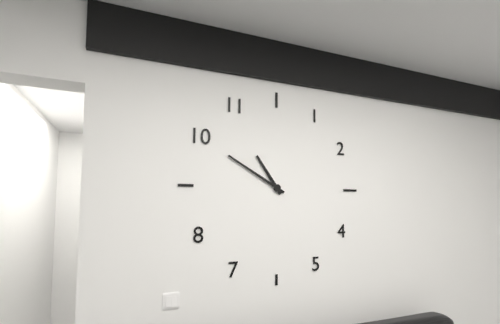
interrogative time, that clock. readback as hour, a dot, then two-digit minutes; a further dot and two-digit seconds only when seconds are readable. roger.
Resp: 10.50
